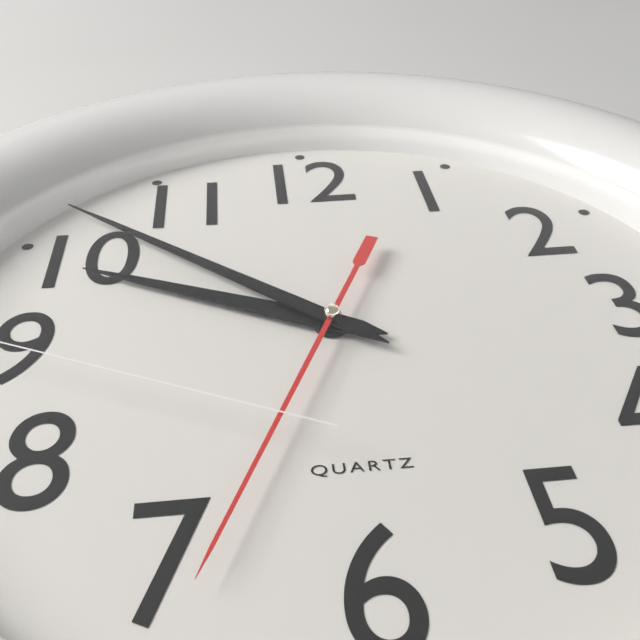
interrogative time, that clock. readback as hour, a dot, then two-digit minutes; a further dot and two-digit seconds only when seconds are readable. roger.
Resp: 9.52.34
